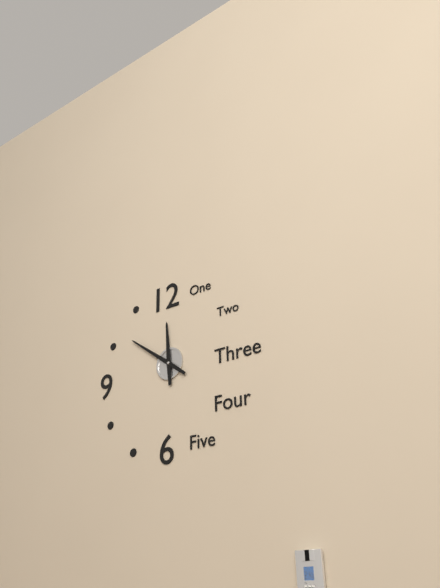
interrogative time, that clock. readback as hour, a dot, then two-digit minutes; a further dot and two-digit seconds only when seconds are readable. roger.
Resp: 11.51
